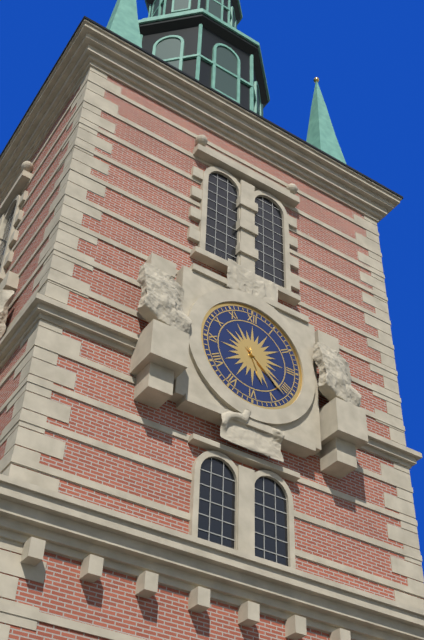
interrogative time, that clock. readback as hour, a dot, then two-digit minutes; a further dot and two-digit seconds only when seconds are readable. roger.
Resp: 5.22
